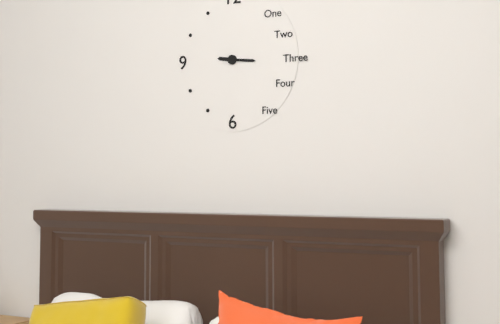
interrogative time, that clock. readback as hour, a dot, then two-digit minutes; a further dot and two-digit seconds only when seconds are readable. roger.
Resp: 9.16
